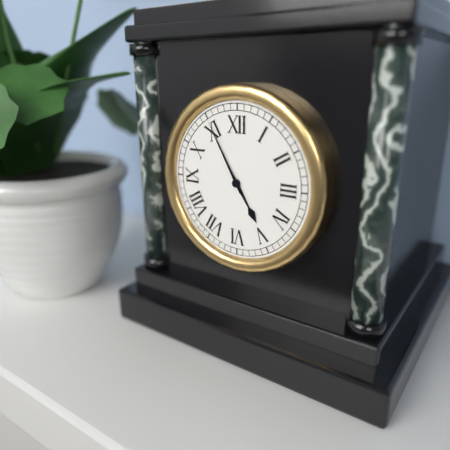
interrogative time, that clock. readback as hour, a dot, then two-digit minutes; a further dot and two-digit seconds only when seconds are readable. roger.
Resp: 4.55
